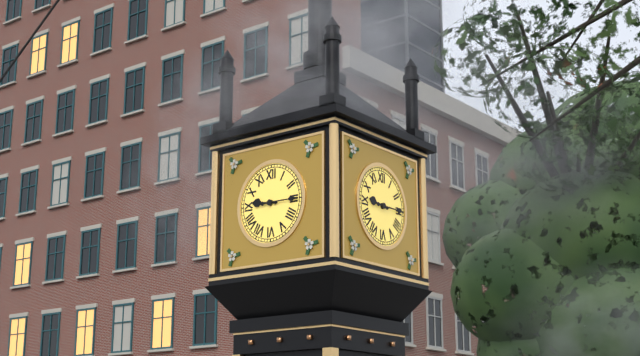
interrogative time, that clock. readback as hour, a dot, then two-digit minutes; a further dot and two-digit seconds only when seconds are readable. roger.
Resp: 9.15
